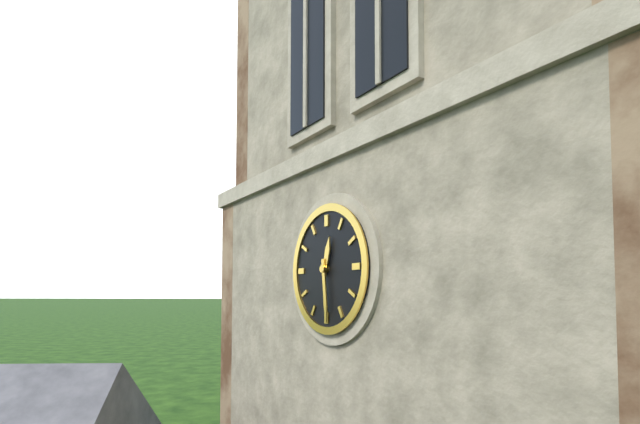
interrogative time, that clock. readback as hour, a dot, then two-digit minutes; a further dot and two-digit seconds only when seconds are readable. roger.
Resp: 12.29
